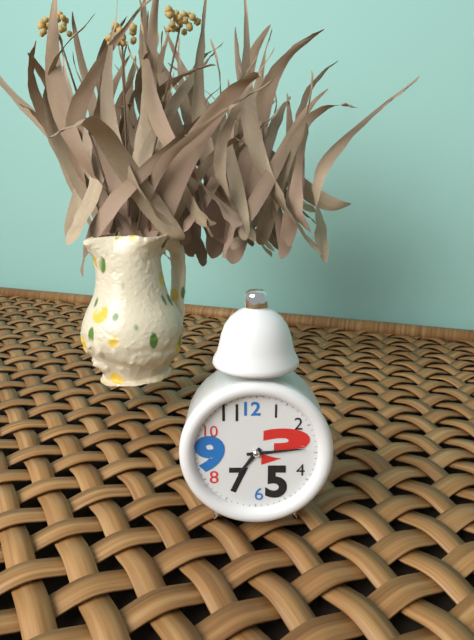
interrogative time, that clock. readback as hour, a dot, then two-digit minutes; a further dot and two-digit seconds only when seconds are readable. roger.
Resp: 7.14
